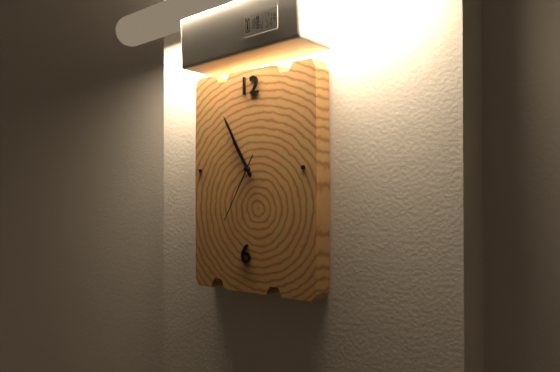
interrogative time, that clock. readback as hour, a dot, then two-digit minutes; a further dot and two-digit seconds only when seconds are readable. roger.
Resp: 10.55.35
